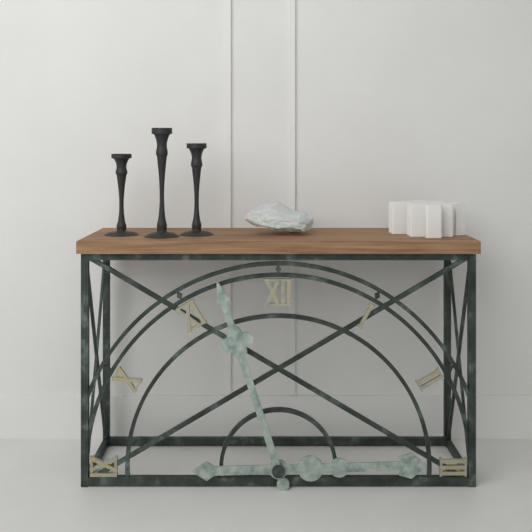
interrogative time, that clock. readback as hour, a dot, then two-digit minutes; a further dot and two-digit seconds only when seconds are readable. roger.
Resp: 2.57
